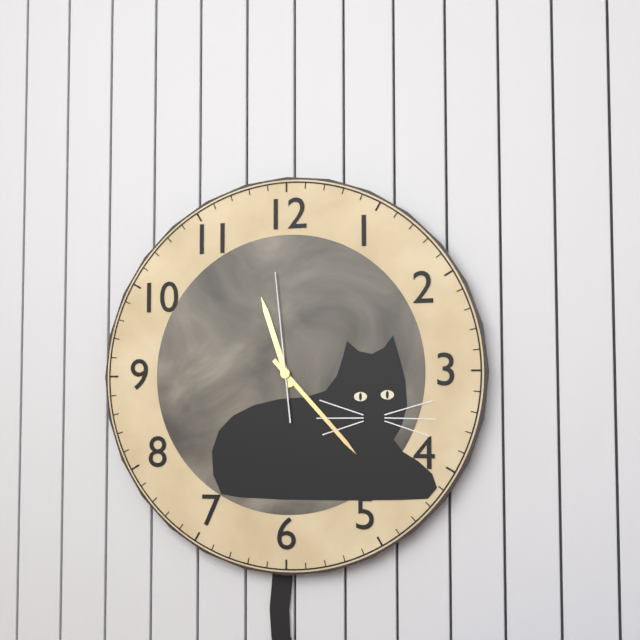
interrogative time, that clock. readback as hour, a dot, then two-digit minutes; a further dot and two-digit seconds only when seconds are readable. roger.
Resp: 11.23.59
